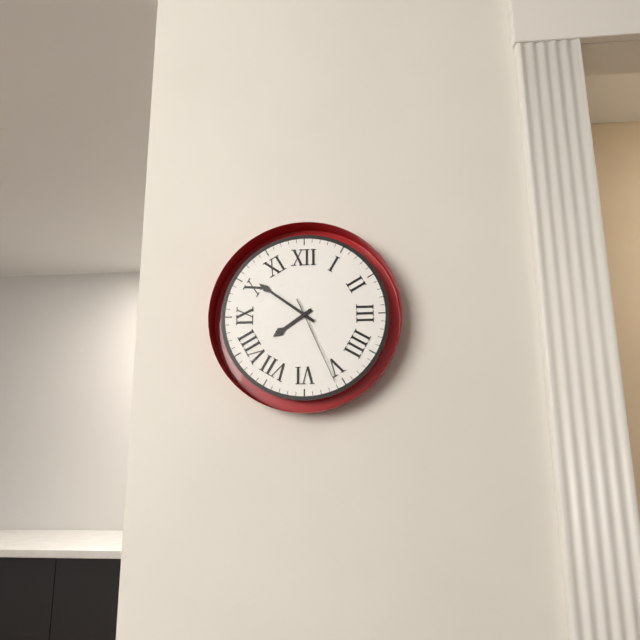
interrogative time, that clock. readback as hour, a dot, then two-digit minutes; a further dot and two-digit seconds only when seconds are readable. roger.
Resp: 7.51.26
